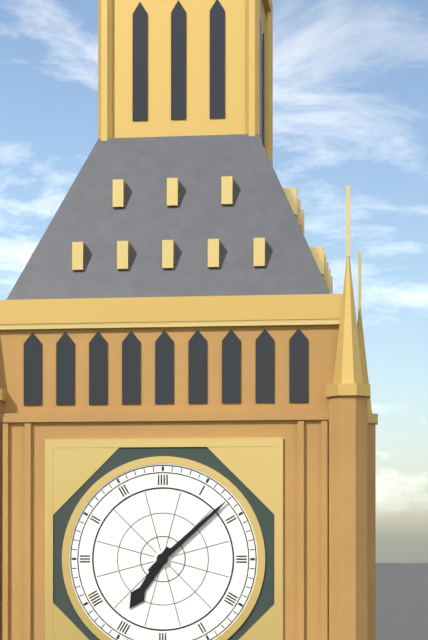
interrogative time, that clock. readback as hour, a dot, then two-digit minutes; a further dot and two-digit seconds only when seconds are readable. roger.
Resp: 7.08
